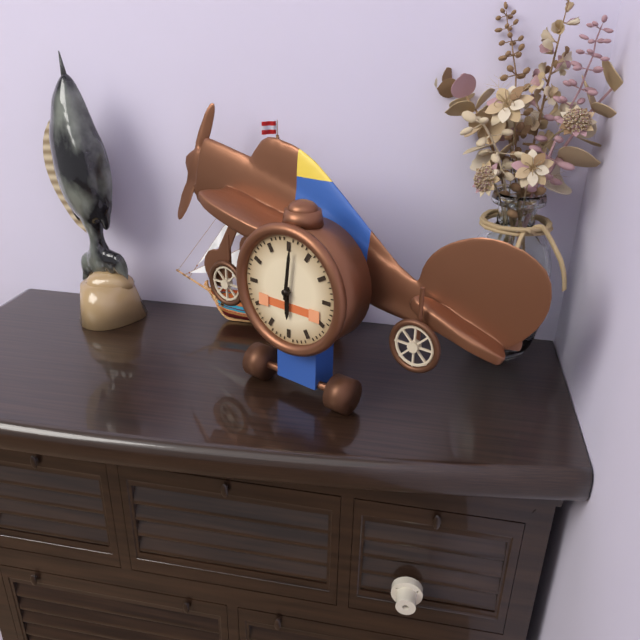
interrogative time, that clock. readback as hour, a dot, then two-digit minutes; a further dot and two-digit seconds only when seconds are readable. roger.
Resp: 6.01
